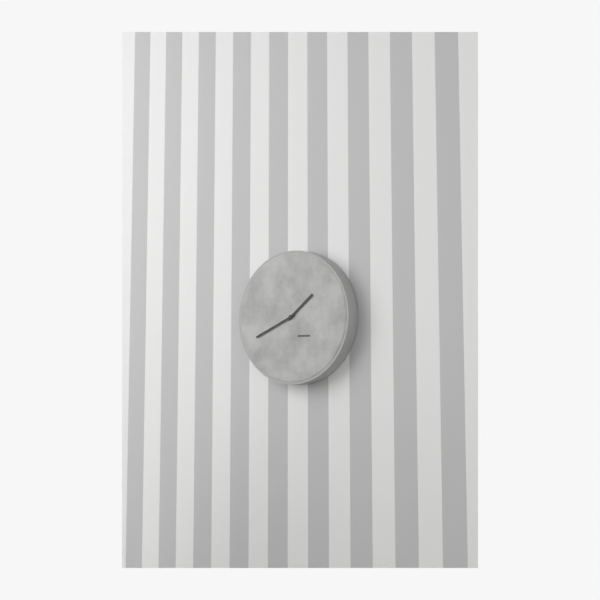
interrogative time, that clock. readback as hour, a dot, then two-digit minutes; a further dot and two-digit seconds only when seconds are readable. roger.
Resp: 1.41
